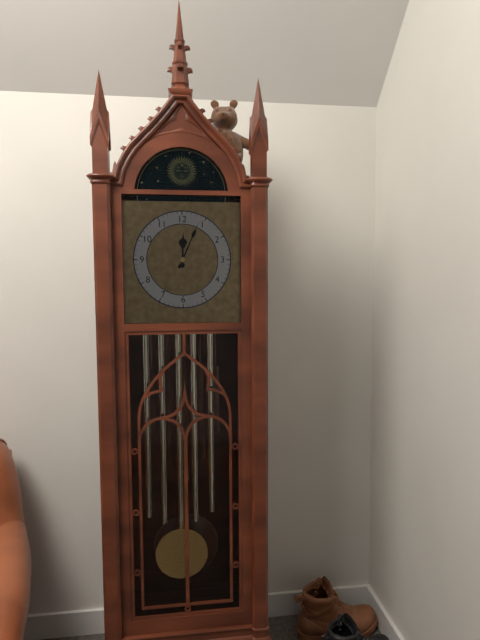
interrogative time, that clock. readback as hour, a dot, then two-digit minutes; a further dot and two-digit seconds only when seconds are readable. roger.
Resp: 12.04
